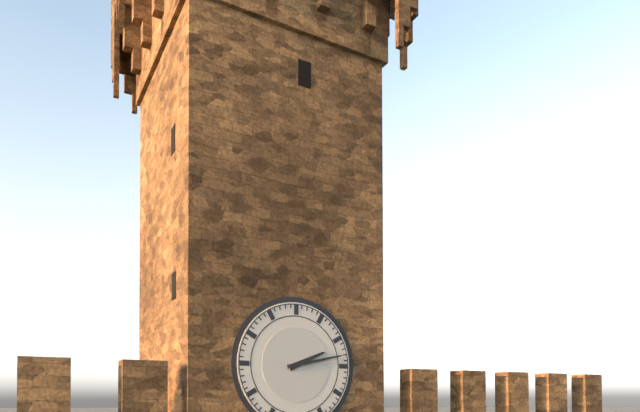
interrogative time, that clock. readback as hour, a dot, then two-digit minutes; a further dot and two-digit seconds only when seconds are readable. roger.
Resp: 2.13
